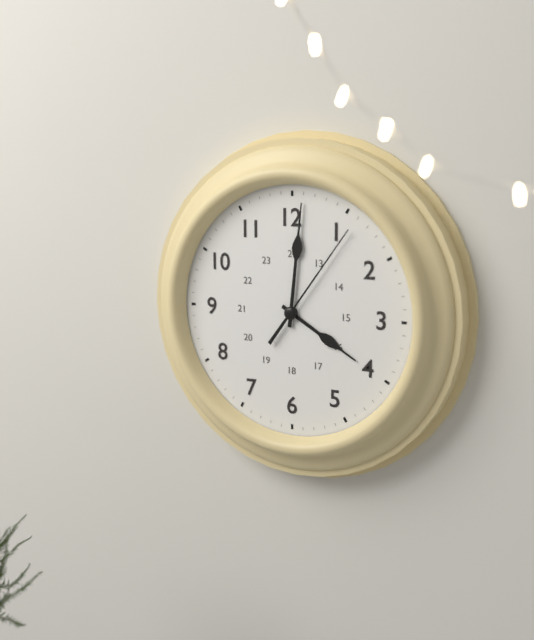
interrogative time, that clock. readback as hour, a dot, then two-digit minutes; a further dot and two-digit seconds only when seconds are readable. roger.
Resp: 4.01.06
